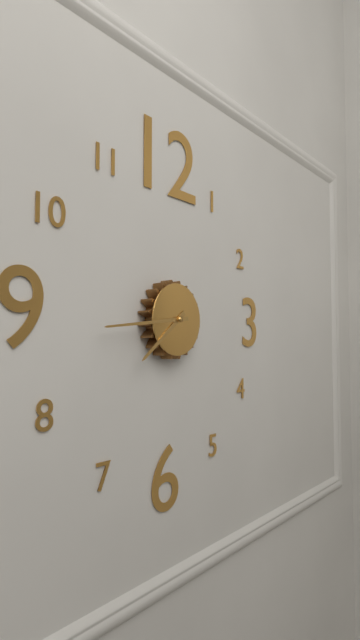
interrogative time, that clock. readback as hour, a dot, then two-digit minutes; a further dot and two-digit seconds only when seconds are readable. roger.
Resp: 7.44
